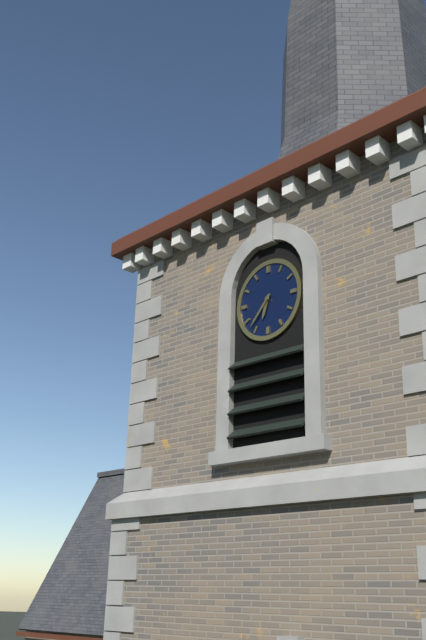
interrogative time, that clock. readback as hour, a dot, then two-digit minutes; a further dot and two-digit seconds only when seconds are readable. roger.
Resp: 6.37
